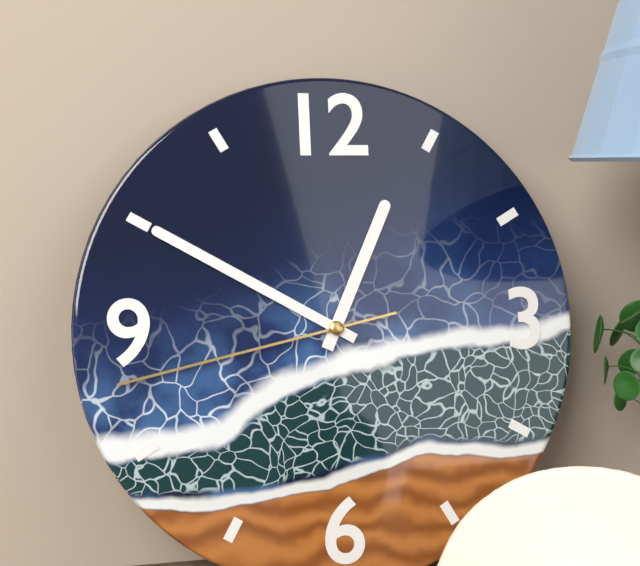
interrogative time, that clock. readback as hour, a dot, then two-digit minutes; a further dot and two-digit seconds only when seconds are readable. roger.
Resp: 12.50.43
